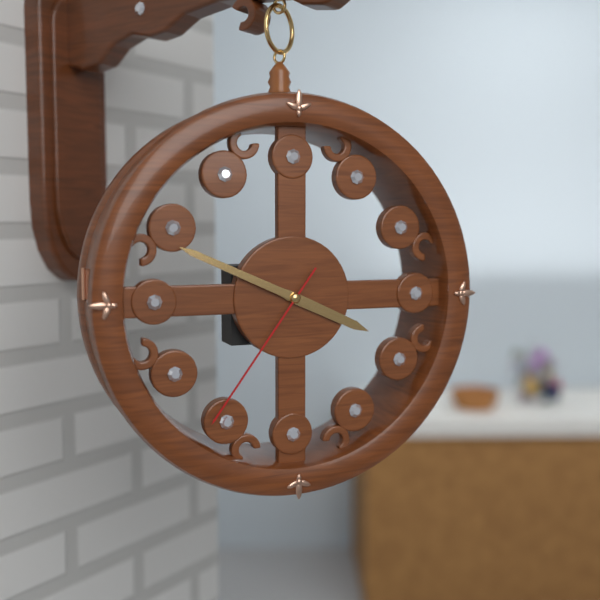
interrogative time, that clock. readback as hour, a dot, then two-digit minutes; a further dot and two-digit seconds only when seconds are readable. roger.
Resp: 3.49.36
